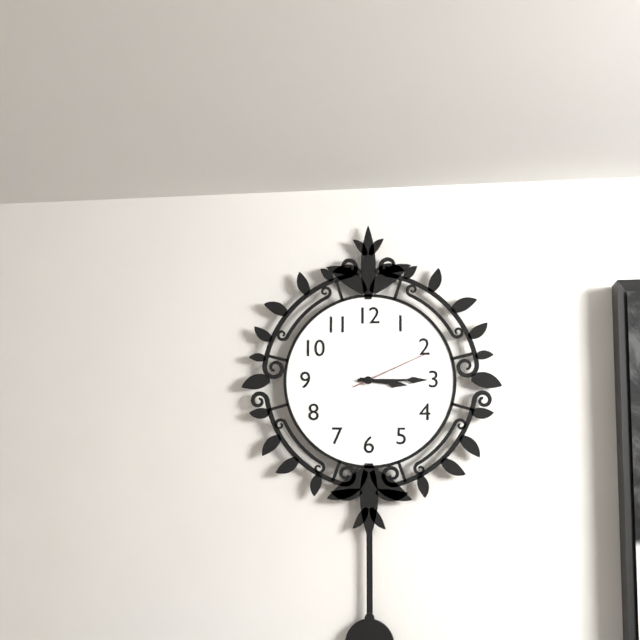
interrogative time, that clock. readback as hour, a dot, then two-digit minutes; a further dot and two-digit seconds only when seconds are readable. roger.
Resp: 3.15.11
